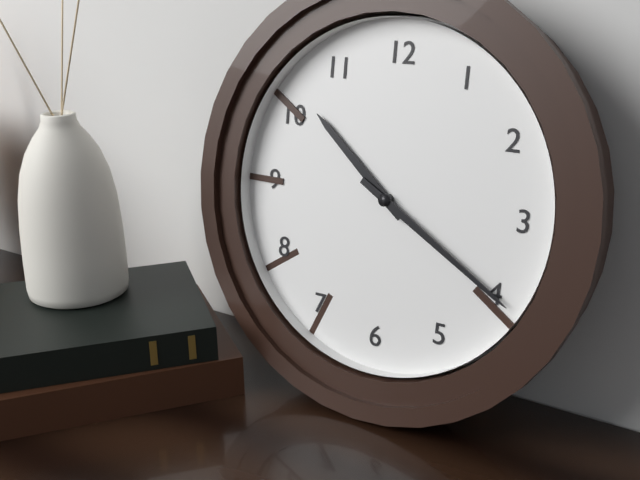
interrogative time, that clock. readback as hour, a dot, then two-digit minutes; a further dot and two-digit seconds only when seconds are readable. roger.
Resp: 10.20
